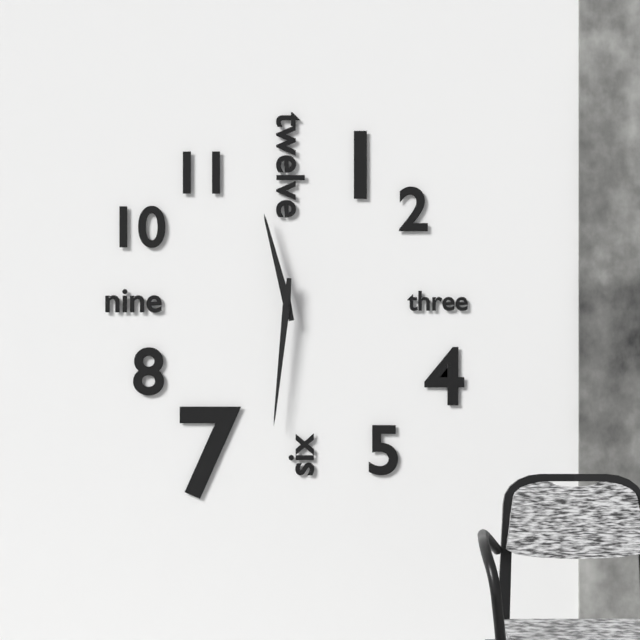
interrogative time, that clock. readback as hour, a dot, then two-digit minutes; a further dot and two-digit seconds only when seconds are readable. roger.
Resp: 11.31
